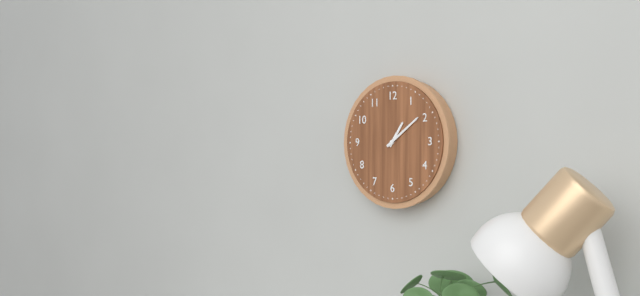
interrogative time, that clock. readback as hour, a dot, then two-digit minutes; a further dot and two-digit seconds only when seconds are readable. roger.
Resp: 1.09
